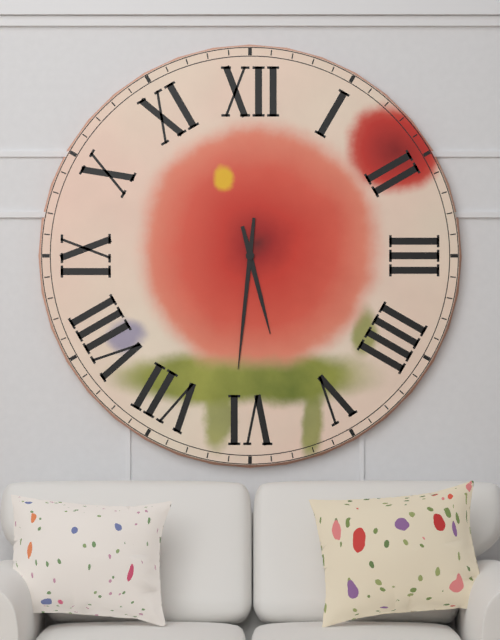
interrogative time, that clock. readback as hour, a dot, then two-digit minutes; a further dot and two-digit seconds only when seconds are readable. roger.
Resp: 5.31
